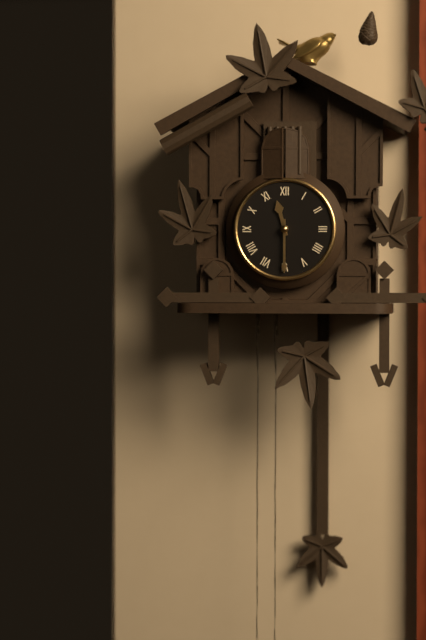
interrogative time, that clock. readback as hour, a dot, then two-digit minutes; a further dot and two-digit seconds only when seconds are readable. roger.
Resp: 11.30
